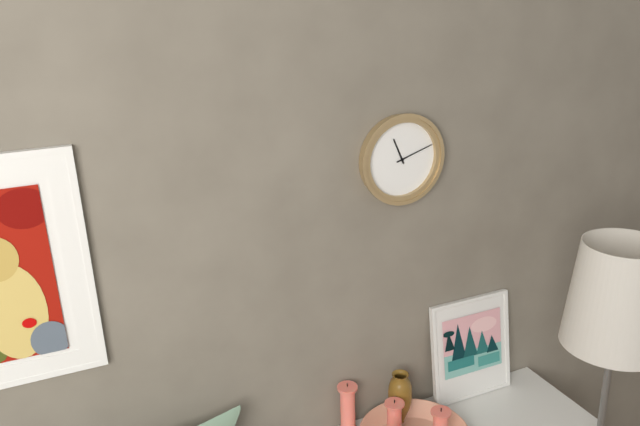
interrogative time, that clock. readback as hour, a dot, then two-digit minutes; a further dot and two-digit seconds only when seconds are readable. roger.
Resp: 11.12
